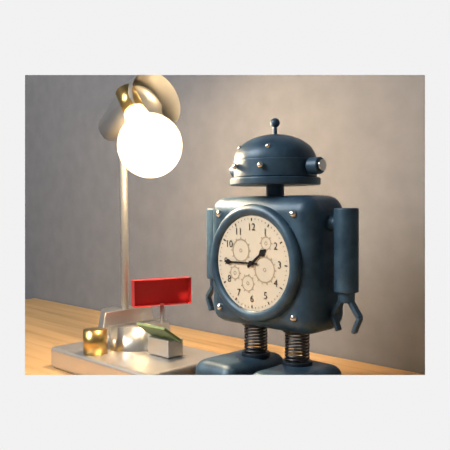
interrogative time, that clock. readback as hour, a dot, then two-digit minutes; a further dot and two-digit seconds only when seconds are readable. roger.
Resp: 1.45
